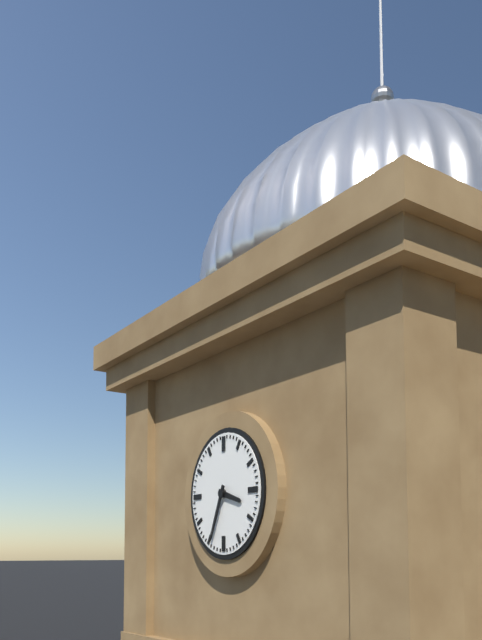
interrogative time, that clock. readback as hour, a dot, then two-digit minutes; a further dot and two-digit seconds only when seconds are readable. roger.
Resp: 3.34
